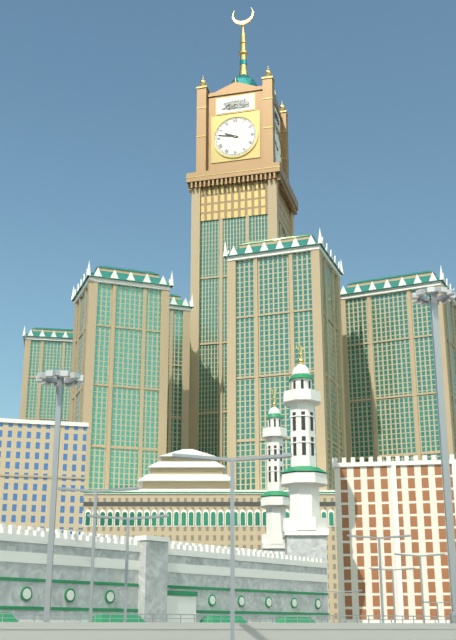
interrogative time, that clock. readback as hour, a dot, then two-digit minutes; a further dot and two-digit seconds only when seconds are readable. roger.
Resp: 9.47
